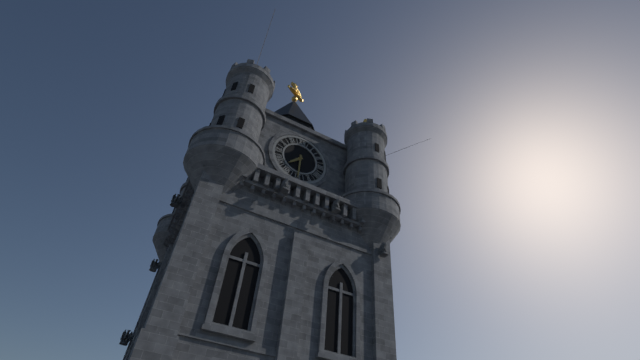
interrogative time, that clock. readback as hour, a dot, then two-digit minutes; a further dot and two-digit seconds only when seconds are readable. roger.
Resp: 7.30
